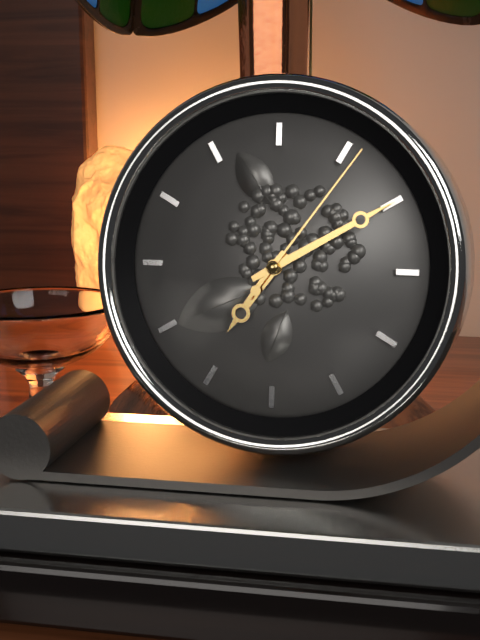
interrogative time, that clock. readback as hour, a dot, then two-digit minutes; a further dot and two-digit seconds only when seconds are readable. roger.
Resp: 7.10.06
